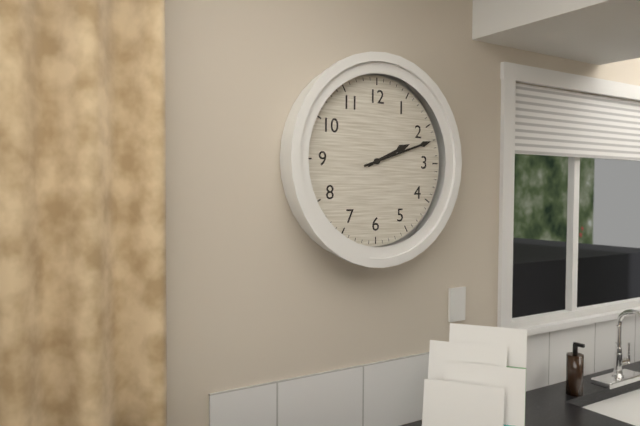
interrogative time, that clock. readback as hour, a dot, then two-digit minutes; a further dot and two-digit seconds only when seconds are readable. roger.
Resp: 2.12
